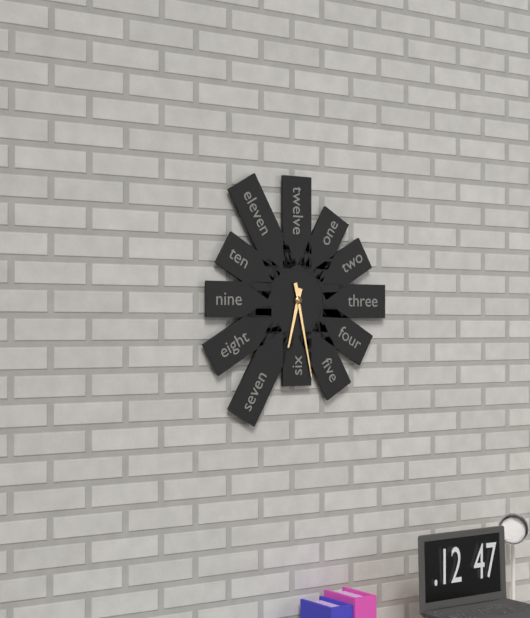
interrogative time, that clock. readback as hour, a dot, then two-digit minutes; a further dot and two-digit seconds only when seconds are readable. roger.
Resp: 6.28
